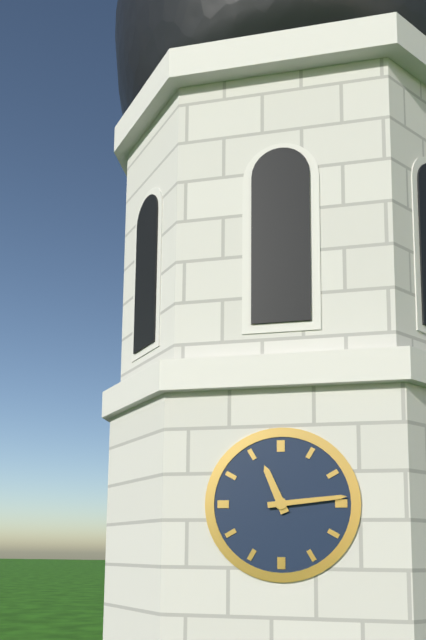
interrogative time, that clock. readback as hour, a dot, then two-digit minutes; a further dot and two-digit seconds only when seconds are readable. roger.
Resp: 11.14
